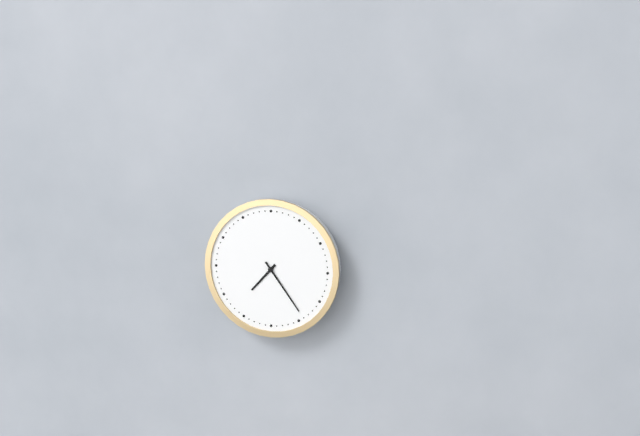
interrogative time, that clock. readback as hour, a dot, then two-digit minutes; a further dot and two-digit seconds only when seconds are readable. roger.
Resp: 7.24
